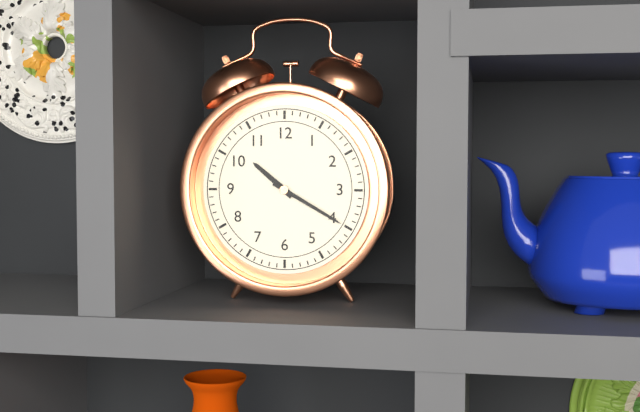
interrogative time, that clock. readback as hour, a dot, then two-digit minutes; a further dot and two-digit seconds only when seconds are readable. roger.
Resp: 10.20
